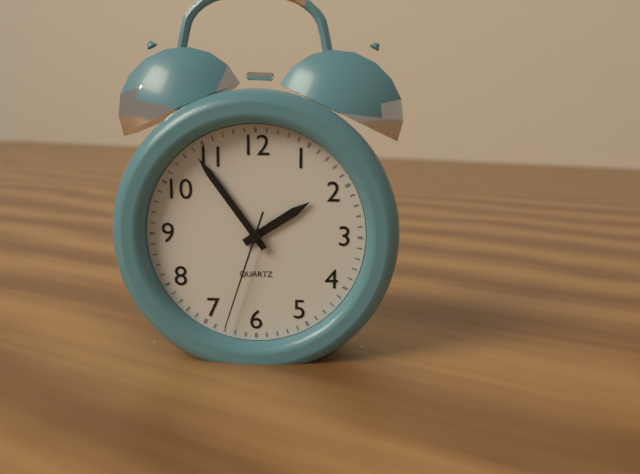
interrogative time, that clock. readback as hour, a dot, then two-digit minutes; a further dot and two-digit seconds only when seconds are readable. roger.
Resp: 1.54.33
